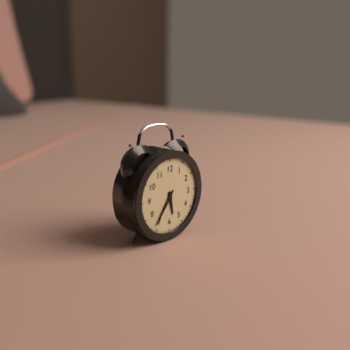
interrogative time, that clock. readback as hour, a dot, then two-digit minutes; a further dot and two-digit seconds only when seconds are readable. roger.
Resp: 5.36
